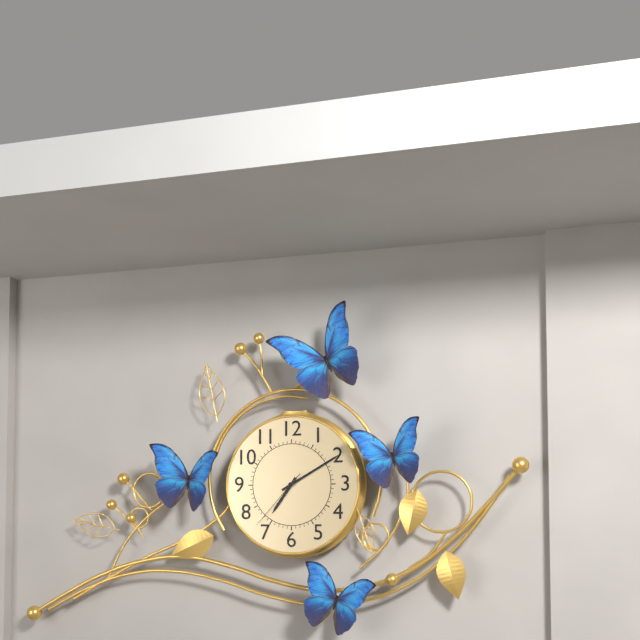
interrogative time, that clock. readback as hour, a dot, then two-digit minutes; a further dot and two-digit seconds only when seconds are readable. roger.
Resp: 7.10.37
